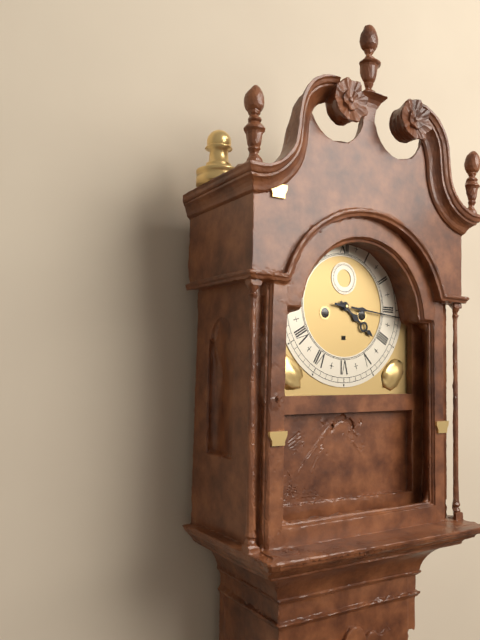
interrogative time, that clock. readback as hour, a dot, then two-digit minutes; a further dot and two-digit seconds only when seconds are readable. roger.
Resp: 4.16
